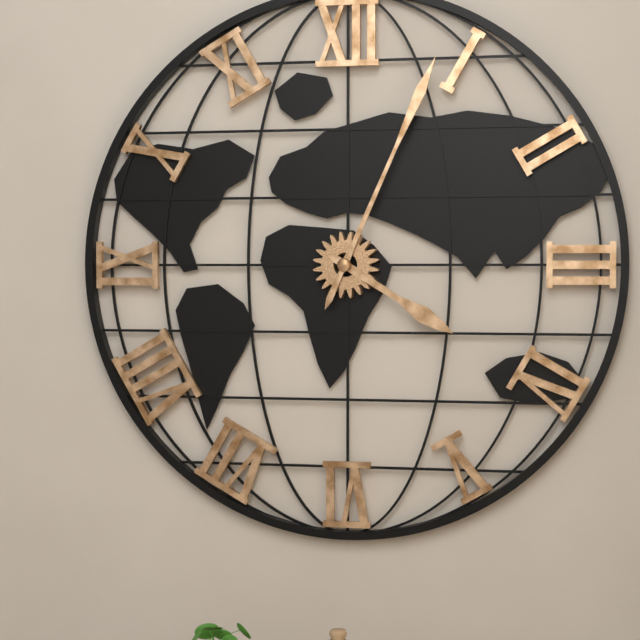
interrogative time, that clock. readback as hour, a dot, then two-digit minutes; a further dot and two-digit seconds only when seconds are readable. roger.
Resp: 4.04
